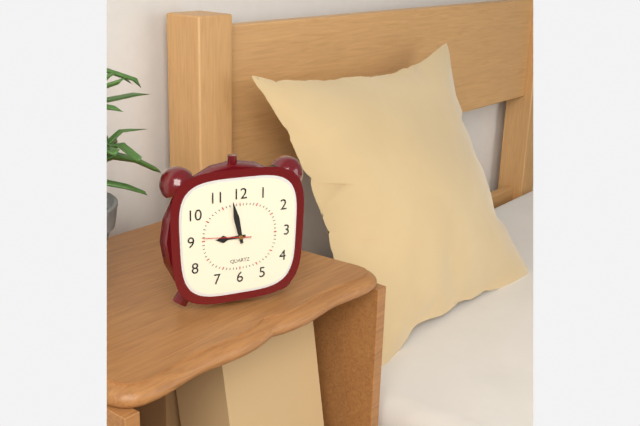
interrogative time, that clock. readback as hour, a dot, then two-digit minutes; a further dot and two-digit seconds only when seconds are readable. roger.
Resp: 8.58
